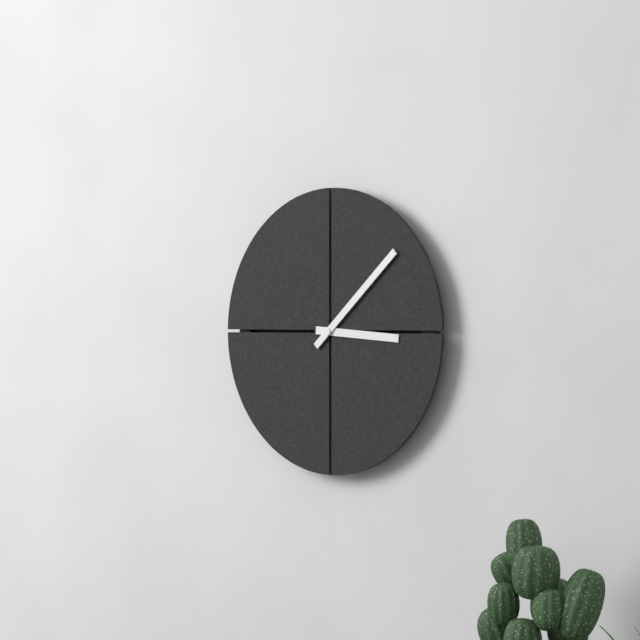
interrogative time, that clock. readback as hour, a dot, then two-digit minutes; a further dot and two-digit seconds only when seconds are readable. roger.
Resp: 3.08
